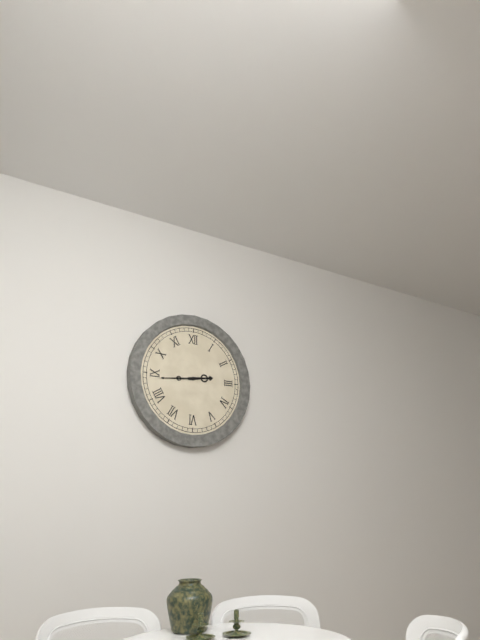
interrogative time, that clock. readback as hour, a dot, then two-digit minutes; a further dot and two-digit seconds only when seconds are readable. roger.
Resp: 2.44
